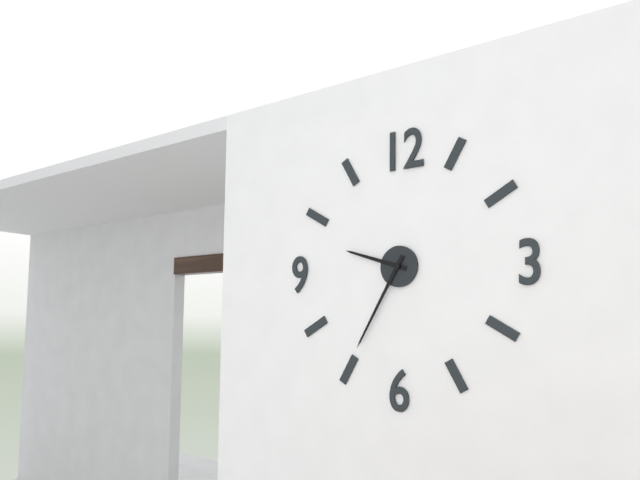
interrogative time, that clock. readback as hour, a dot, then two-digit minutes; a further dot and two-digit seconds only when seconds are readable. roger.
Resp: 9.35
